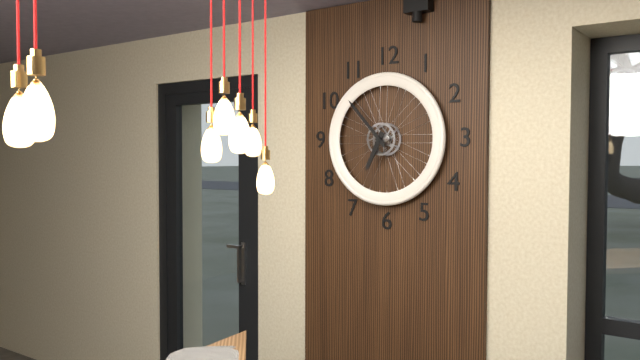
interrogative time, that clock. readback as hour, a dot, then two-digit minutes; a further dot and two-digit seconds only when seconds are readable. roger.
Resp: 6.53
